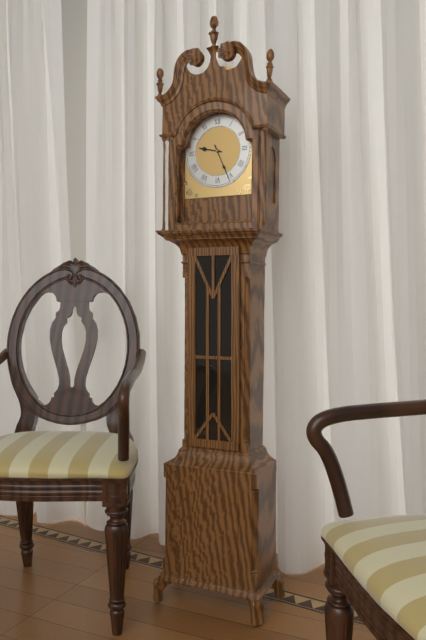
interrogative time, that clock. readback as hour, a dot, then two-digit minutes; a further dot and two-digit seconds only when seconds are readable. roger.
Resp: 9.26
